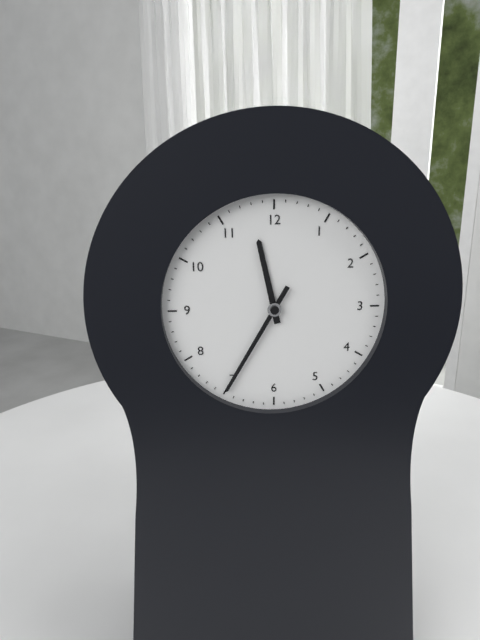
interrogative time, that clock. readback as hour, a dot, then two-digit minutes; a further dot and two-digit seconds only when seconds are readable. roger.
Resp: 11.35
